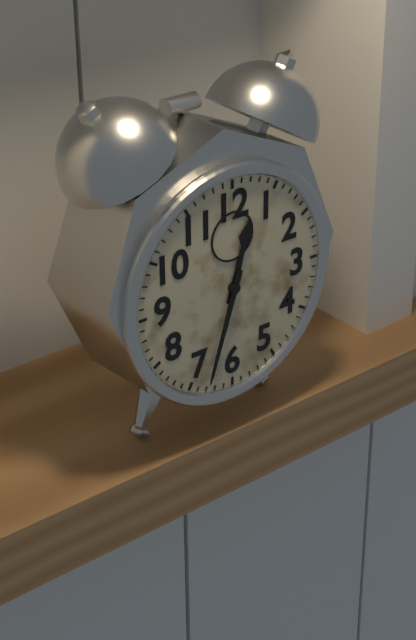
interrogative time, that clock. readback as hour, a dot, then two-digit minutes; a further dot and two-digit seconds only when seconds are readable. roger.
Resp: 12.33
